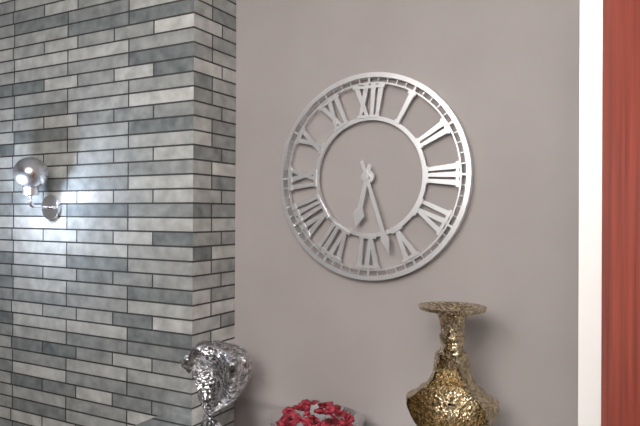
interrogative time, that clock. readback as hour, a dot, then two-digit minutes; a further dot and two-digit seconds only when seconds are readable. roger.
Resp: 6.27
